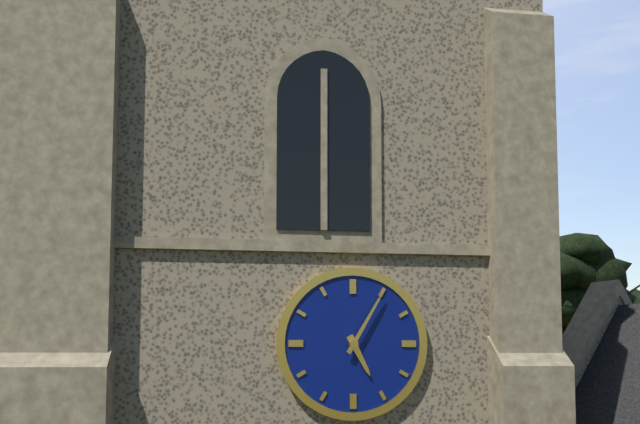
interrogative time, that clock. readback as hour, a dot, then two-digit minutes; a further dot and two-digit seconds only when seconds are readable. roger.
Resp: 5.05
